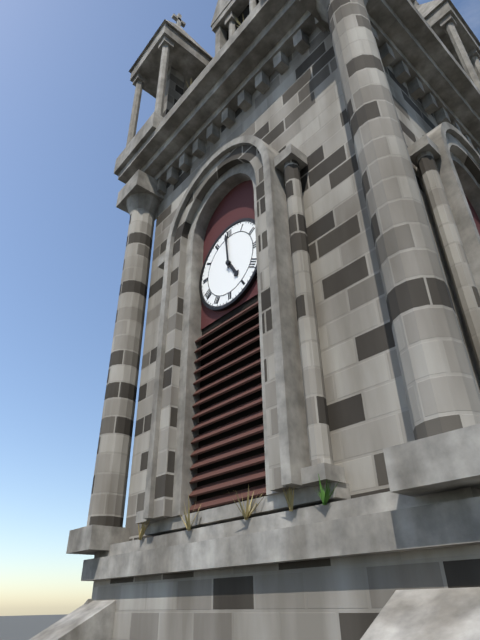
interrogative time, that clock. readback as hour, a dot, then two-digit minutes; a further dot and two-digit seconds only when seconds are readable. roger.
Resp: 4.59
